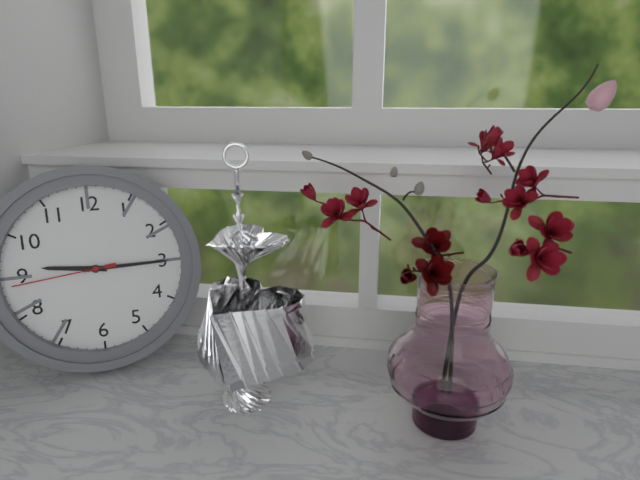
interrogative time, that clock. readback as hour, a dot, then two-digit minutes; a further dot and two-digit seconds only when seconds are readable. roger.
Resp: 9.15.44
